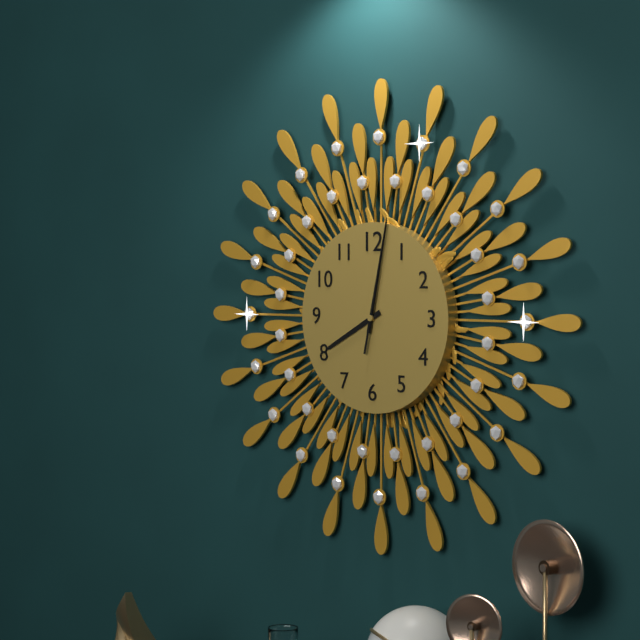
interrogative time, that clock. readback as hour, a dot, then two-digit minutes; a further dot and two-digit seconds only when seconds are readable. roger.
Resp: 8.02.02
